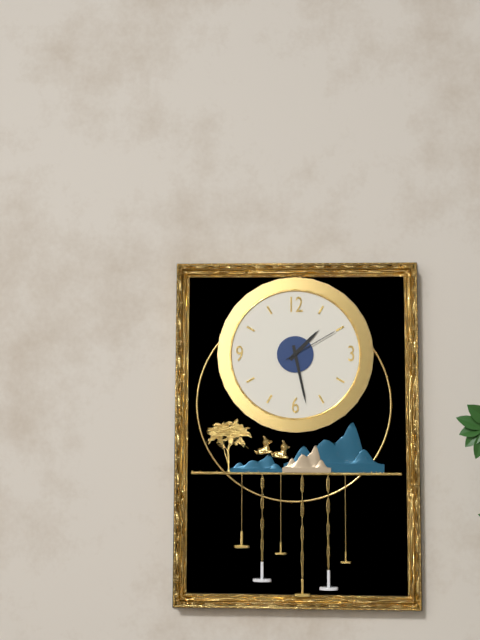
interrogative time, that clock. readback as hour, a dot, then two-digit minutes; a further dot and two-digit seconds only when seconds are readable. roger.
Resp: 1.28.10
